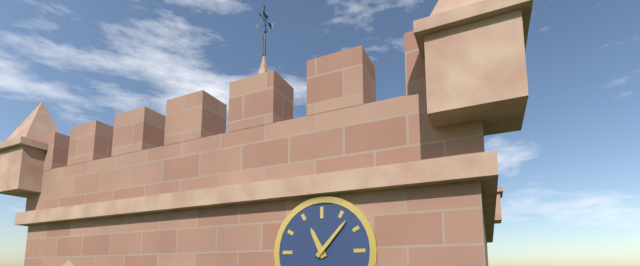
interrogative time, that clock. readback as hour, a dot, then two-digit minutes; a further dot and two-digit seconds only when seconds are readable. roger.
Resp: 11.07
